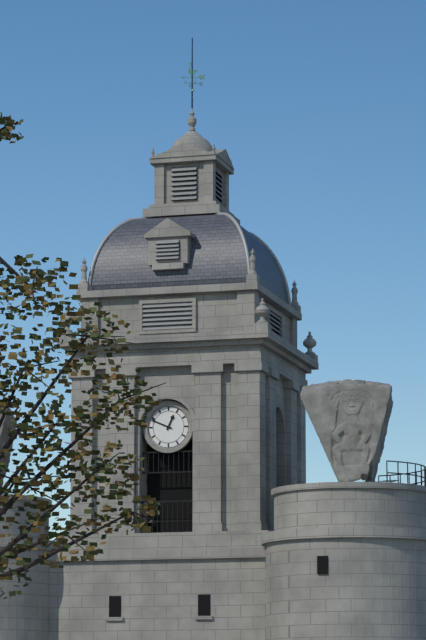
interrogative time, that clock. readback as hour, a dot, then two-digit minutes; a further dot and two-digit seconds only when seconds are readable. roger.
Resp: 12.49
